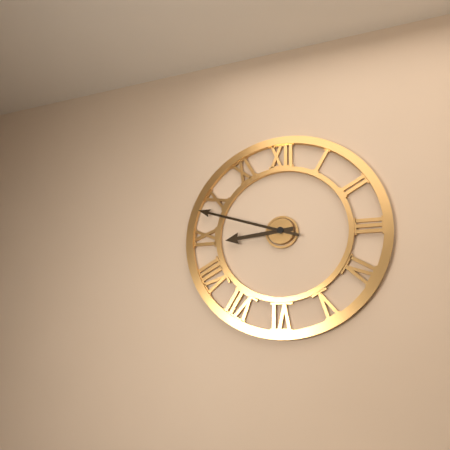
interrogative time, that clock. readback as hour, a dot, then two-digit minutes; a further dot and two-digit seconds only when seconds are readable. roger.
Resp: 8.48
